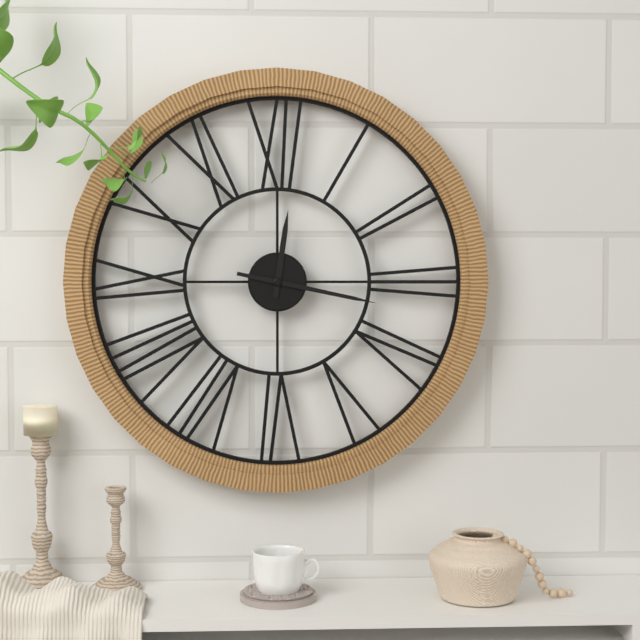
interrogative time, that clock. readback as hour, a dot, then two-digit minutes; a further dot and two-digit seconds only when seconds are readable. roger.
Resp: 12.17
